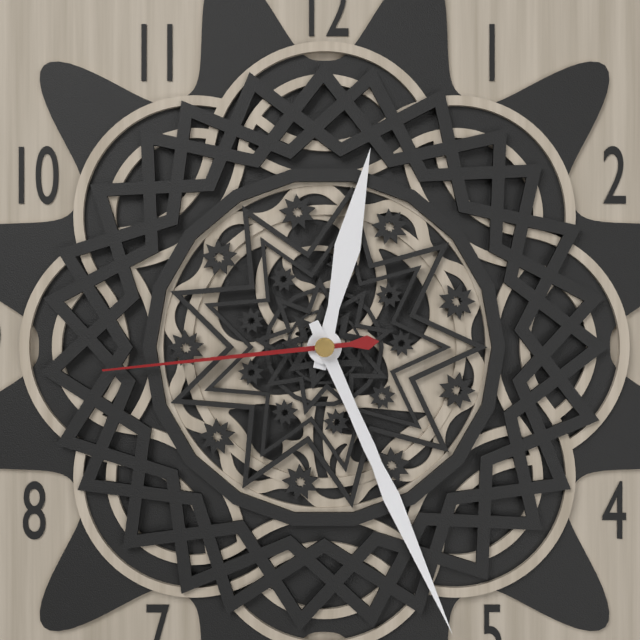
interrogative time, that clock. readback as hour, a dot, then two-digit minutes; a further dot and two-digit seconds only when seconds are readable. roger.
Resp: 12.26.44
